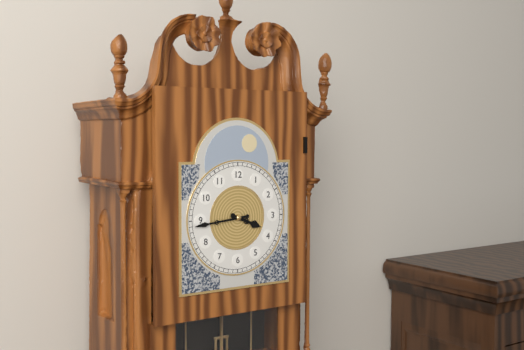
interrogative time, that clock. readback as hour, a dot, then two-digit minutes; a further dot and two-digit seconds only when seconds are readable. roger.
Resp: 3.44
